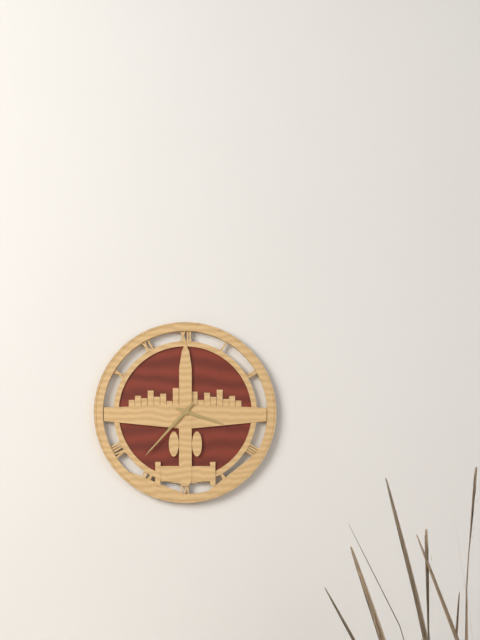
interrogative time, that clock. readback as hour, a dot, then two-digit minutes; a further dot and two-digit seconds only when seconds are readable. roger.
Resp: 3.37
